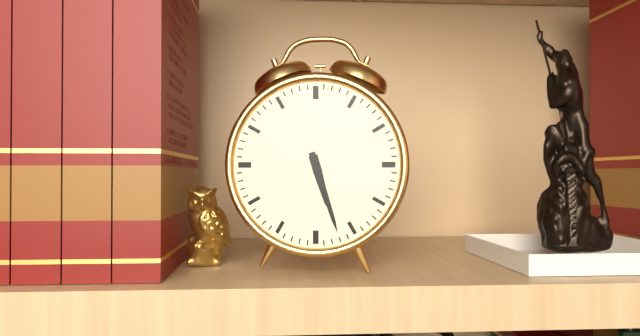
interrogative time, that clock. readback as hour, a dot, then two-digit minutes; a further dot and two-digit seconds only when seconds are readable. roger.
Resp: 5.27
